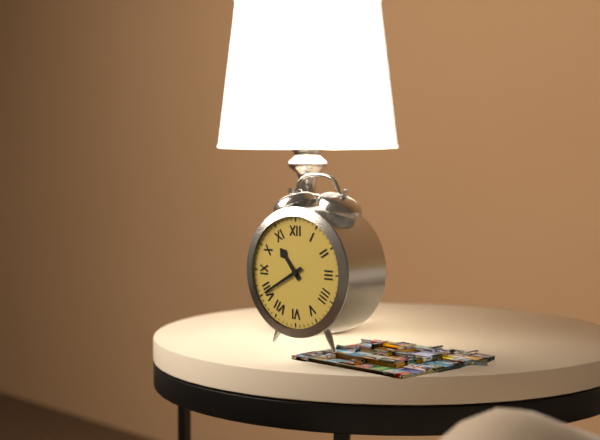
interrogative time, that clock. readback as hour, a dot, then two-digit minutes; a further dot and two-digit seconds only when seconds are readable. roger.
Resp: 10.40
